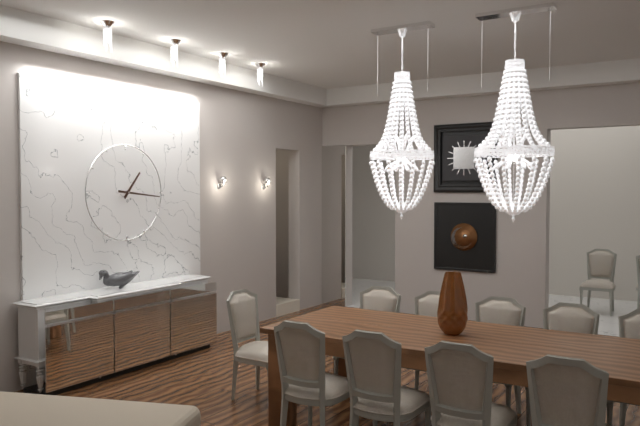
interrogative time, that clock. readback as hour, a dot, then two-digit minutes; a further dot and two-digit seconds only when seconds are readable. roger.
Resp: 1.16
